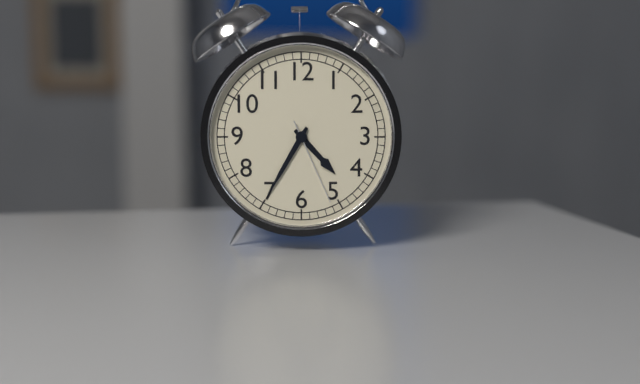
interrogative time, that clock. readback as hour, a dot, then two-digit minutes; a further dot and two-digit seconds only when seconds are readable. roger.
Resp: 4.35.26
